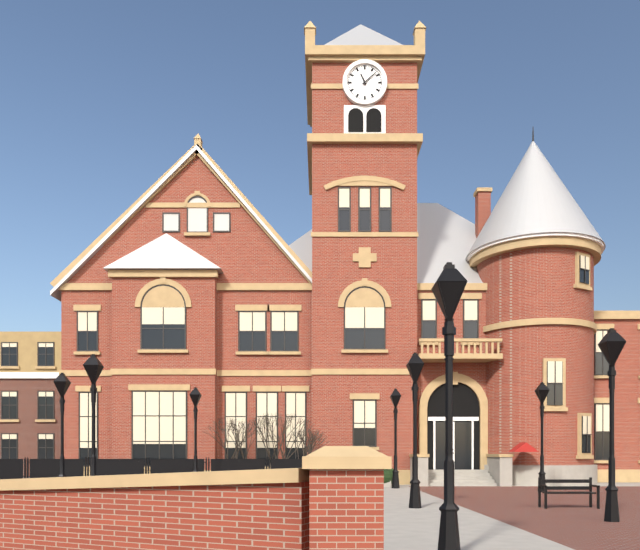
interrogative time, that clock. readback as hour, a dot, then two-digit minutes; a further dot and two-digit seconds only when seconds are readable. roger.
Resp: 11.08
